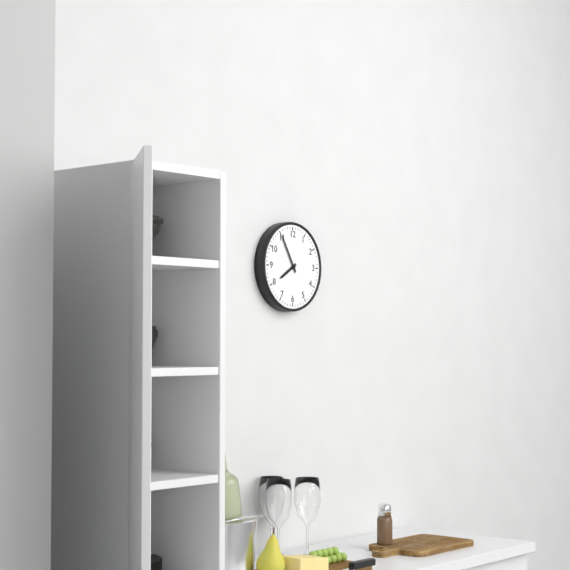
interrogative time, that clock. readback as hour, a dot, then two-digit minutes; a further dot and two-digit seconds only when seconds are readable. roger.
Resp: 7.55
